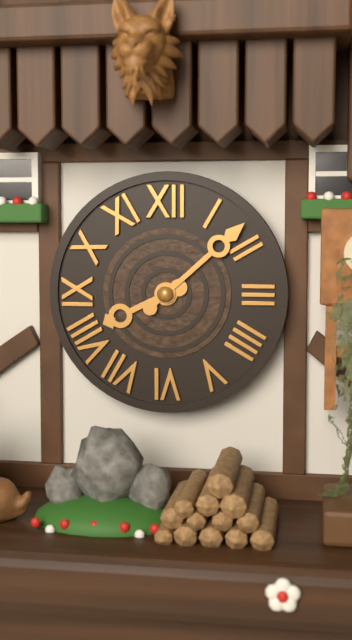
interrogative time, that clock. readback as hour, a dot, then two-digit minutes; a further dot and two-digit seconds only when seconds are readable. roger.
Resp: 8.08
